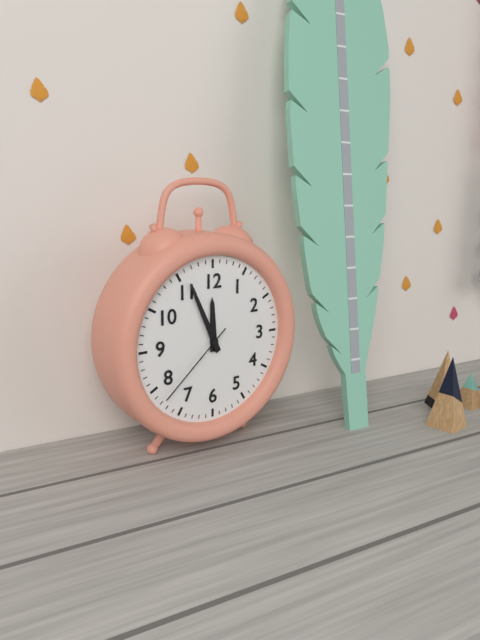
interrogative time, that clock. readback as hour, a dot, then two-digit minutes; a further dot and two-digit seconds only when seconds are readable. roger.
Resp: 11.56.38
